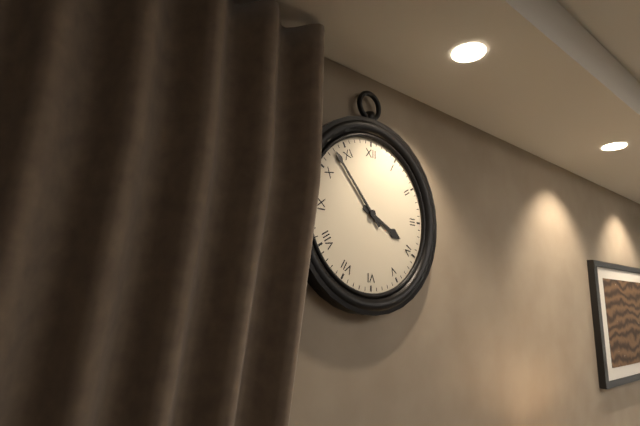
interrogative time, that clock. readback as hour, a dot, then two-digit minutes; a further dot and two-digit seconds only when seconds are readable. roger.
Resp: 3.53
